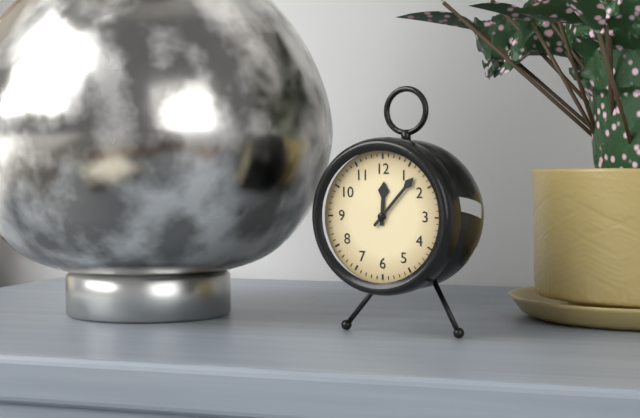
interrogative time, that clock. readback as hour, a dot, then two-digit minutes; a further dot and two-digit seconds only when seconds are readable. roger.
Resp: 12.07
